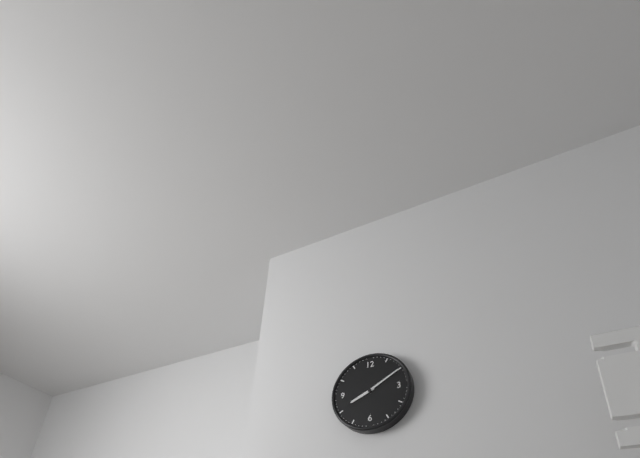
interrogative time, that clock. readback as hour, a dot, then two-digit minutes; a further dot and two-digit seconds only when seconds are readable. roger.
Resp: 8.10
